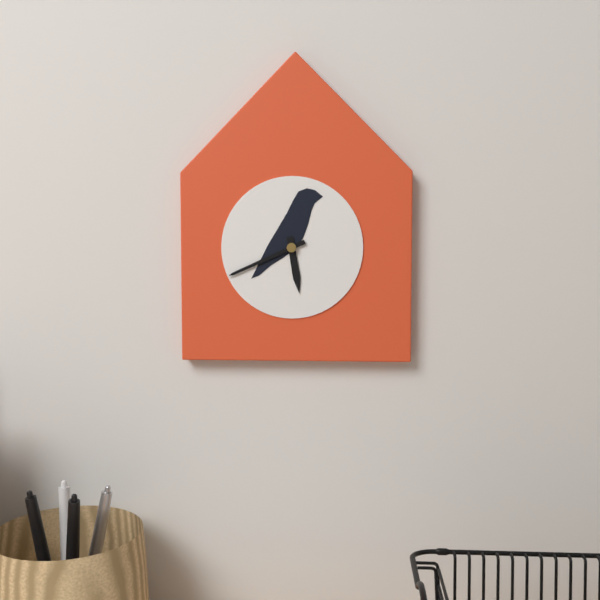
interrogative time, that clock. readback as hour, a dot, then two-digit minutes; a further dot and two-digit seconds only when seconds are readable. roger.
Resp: 5.41
